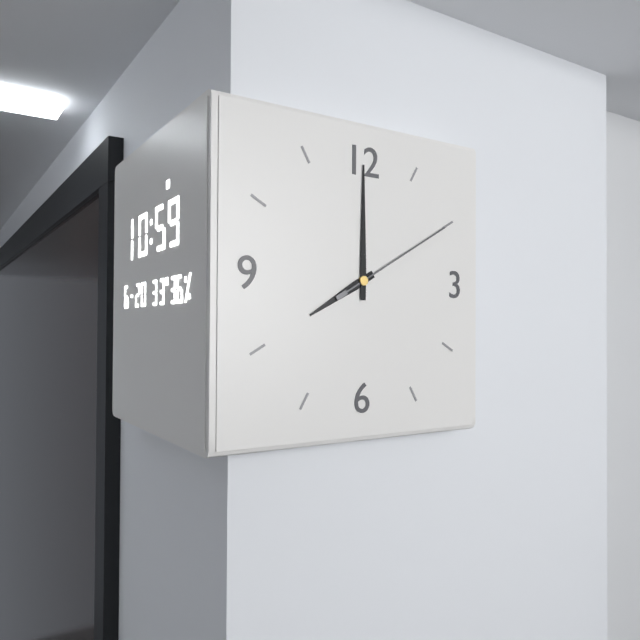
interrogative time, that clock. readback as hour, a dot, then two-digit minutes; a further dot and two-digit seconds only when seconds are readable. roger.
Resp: 8.00.10
